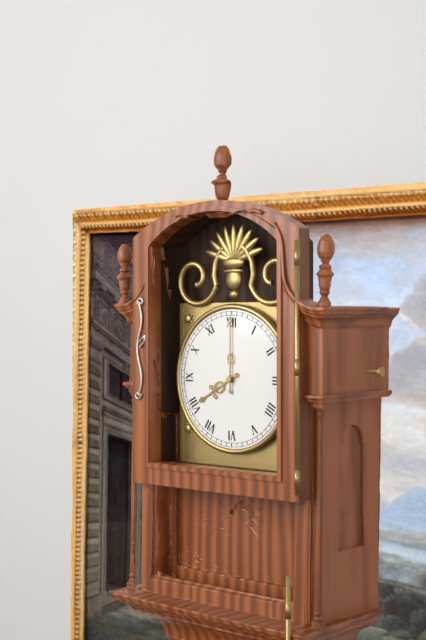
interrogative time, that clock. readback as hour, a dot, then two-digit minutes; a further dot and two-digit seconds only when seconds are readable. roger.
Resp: 8.00
